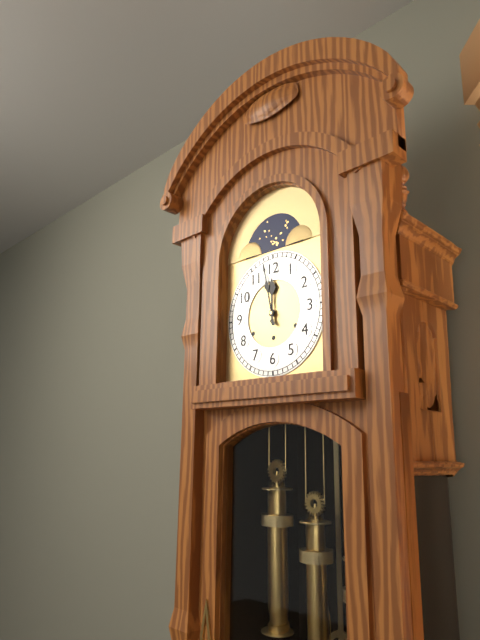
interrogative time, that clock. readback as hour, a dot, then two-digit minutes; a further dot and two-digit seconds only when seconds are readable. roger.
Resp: 11.58
